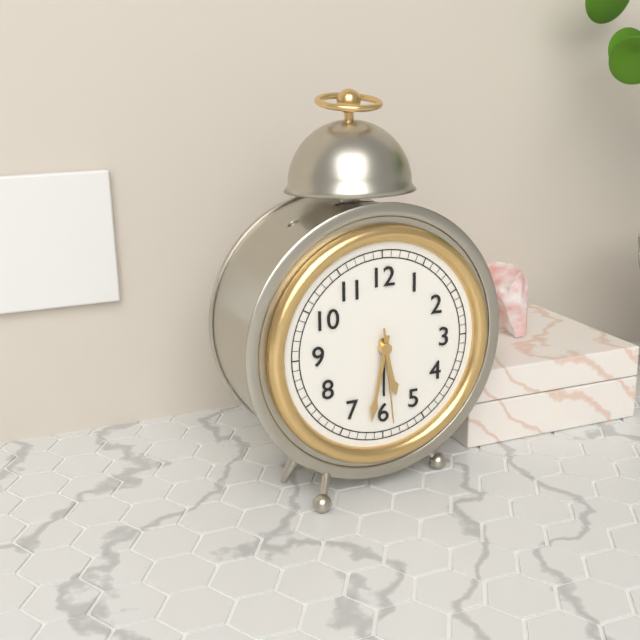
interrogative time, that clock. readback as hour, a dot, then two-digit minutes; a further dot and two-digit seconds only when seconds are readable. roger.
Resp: 5.32.29
